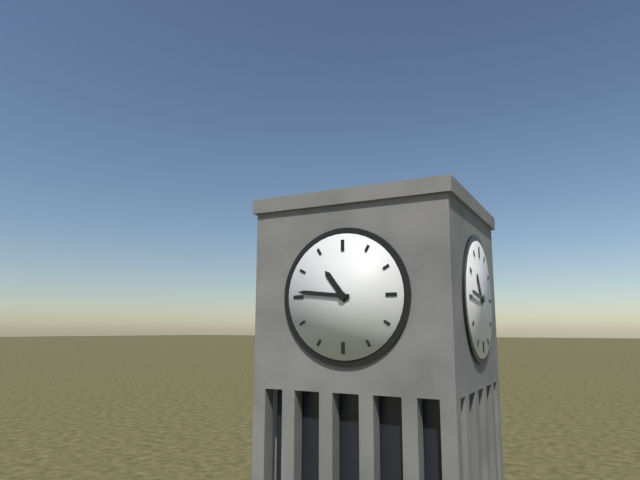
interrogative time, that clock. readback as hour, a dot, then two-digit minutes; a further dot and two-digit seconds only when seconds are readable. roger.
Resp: 10.46
